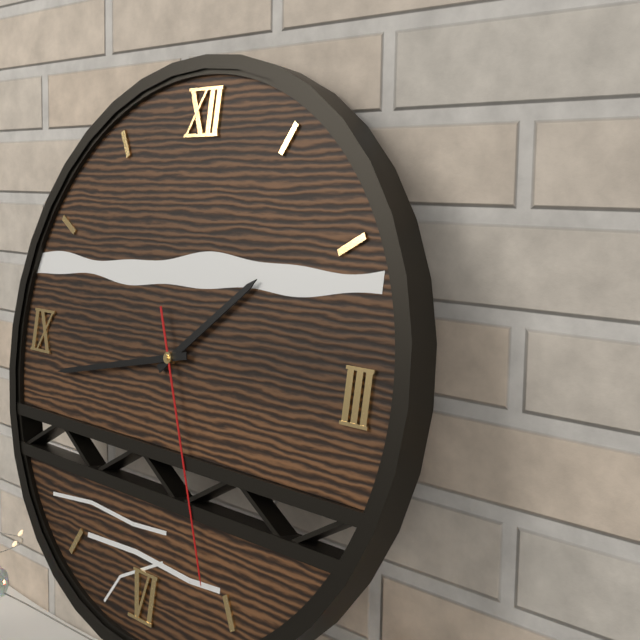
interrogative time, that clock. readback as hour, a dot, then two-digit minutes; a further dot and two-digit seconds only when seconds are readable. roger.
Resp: 1.43.26
